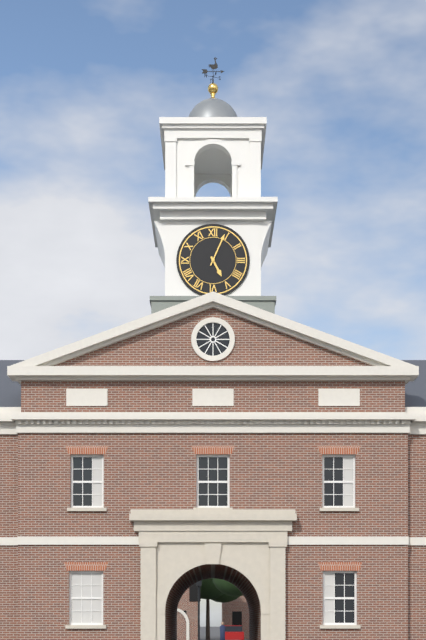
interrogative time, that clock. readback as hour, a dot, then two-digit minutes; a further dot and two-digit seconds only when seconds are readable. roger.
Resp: 5.04
